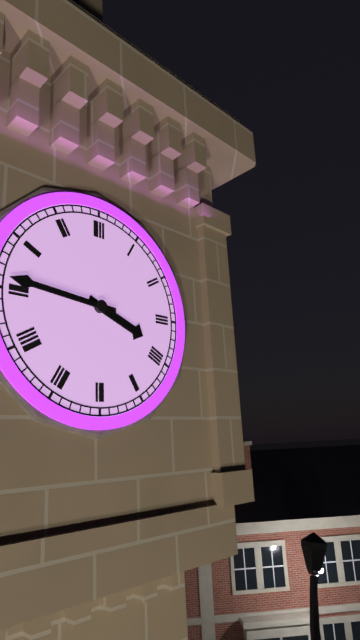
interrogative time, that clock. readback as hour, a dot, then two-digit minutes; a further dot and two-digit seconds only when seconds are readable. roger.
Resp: 3.46
